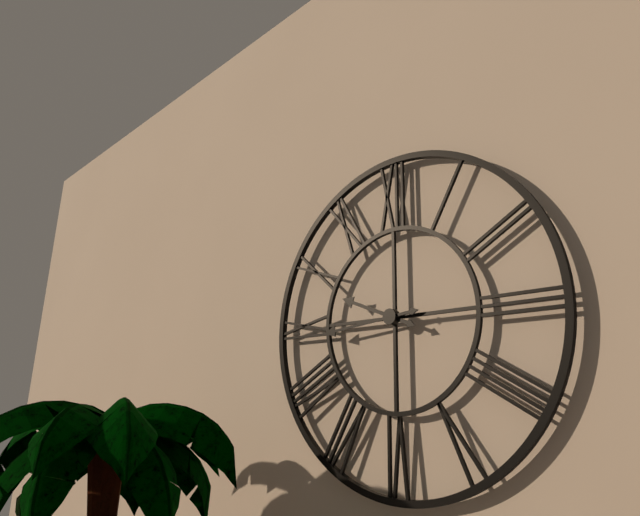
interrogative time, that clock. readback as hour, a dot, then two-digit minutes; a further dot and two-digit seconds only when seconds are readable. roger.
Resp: 9.44
